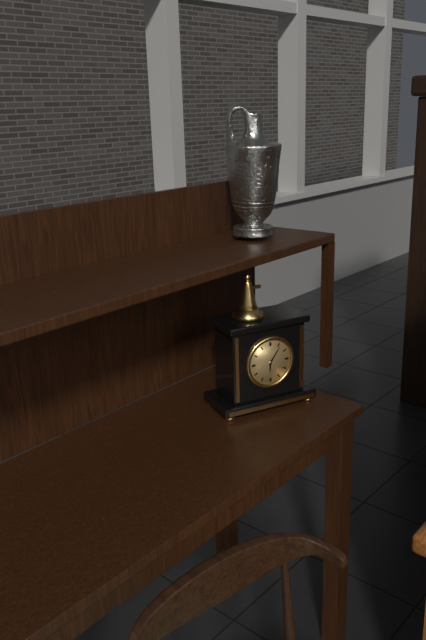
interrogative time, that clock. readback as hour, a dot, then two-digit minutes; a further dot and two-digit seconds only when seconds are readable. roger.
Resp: 6.06
